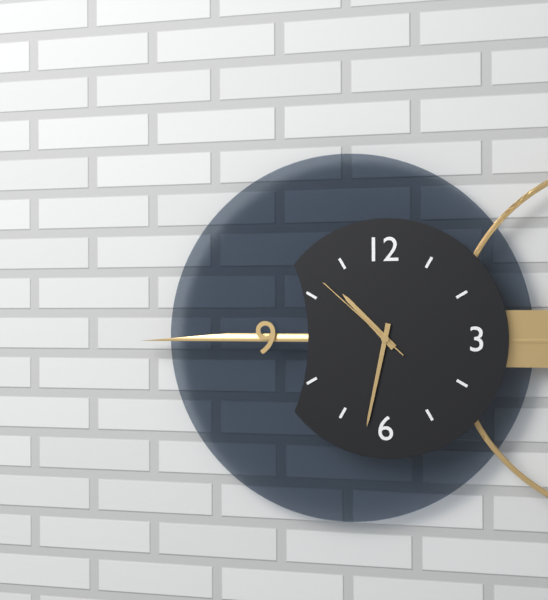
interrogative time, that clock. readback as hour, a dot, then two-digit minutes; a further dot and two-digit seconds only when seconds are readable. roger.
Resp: 10.32.52
